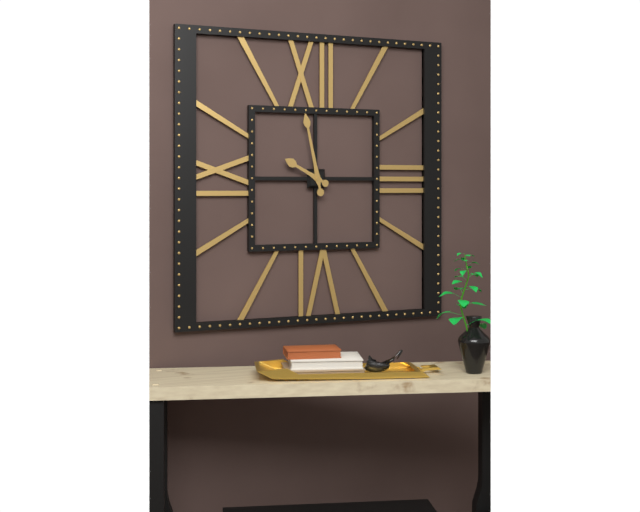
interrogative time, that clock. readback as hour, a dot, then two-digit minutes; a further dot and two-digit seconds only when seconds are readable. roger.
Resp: 9.58
